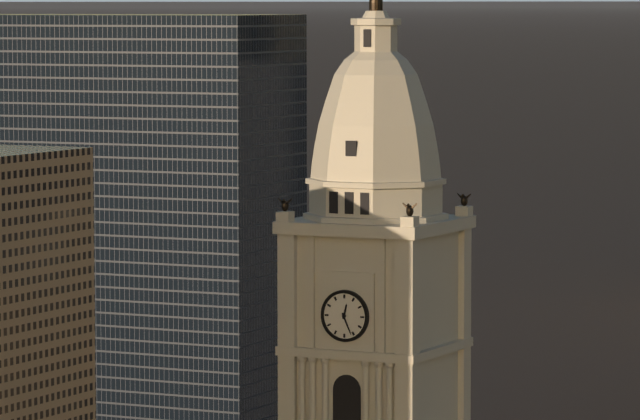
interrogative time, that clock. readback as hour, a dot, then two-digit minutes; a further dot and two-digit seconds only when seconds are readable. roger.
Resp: 12.26
